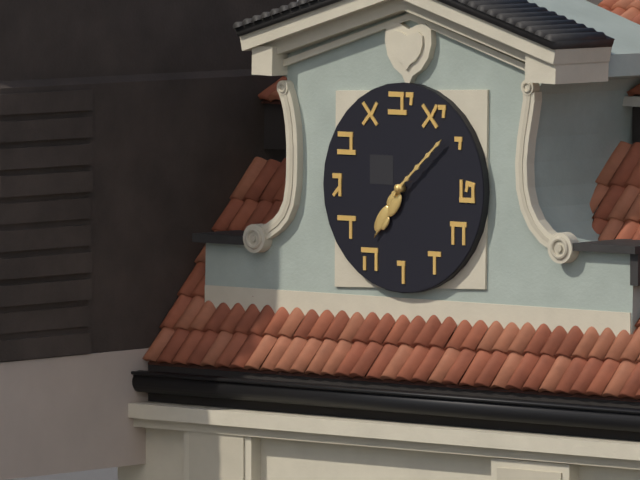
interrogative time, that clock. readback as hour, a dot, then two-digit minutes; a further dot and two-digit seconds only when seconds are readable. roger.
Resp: 7.08
